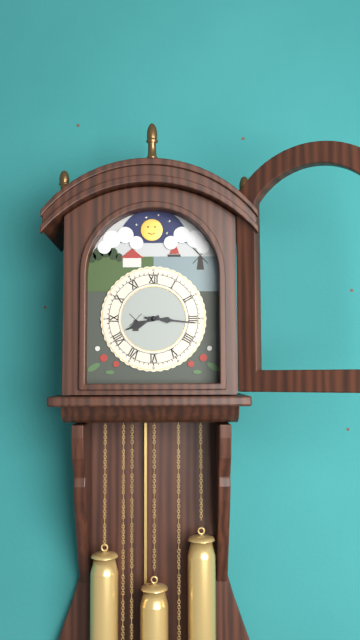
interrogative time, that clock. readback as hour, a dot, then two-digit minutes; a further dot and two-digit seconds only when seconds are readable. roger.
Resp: 8.16
